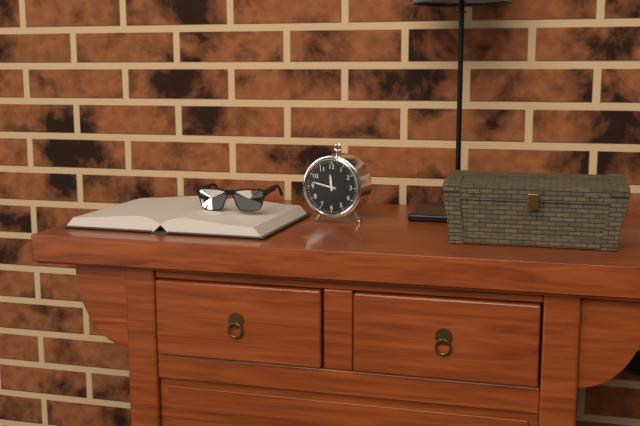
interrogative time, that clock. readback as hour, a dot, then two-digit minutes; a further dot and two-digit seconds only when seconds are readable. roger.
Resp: 11.47
